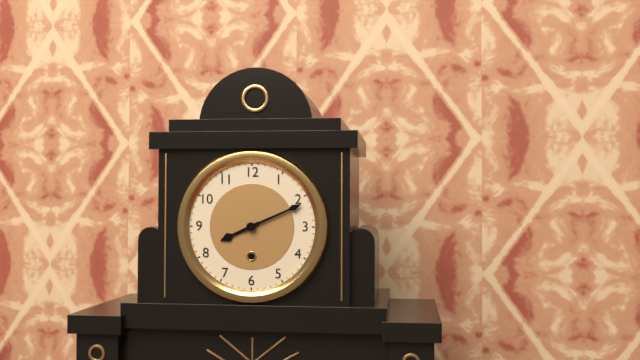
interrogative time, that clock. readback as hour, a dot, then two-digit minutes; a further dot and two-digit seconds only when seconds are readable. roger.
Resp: 8.11
